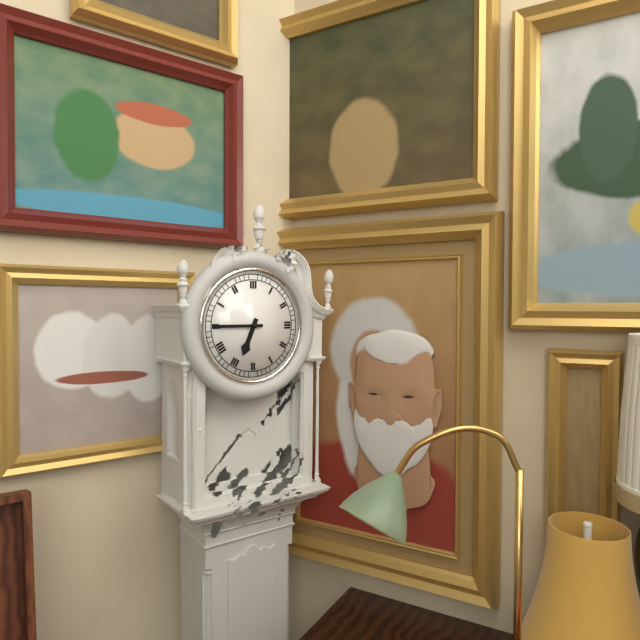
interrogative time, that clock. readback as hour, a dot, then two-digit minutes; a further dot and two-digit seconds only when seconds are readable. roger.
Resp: 6.45
